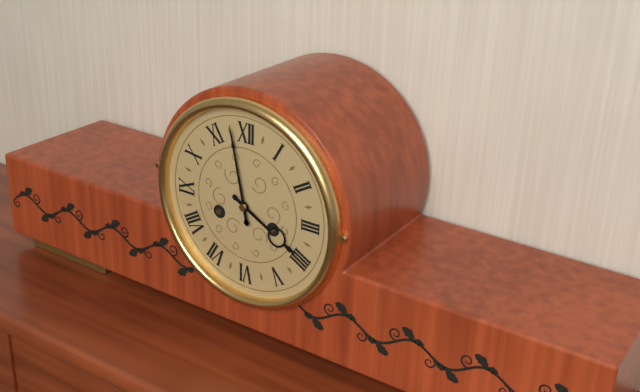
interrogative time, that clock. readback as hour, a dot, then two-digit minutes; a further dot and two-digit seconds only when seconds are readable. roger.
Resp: 3.58
